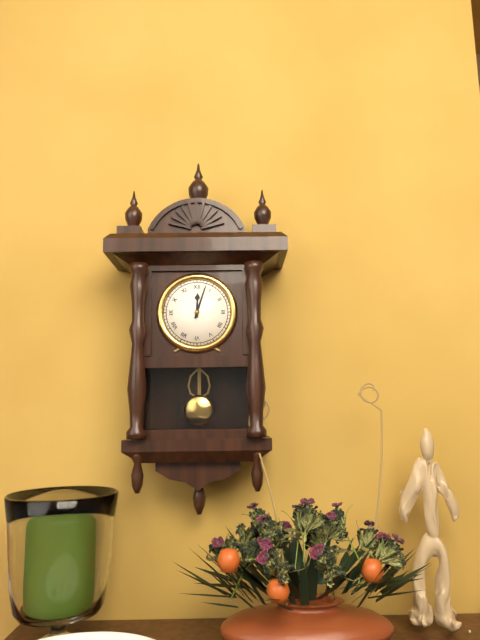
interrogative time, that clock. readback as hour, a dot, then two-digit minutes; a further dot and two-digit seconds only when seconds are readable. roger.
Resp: 12.03
